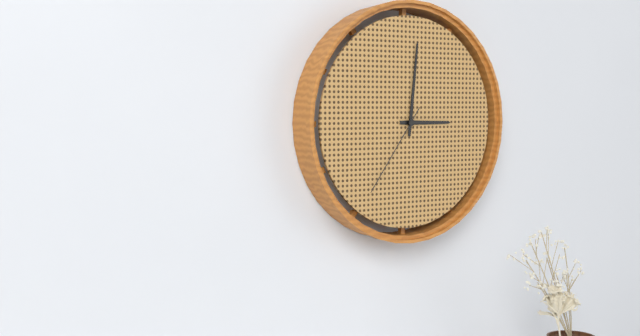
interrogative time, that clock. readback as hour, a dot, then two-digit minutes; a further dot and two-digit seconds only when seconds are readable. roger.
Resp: 3.01.36
